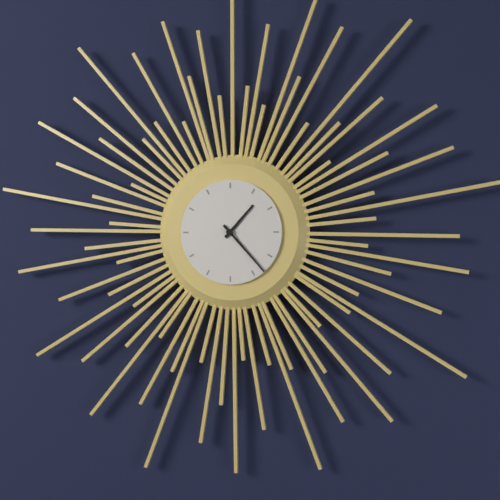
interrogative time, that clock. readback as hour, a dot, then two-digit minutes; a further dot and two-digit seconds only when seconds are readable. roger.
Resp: 1.23
